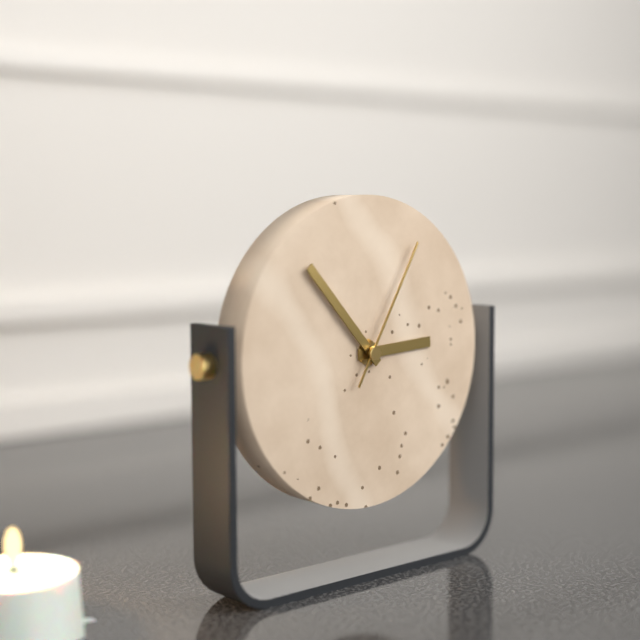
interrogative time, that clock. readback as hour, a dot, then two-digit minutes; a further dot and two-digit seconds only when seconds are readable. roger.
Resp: 2.53.05
